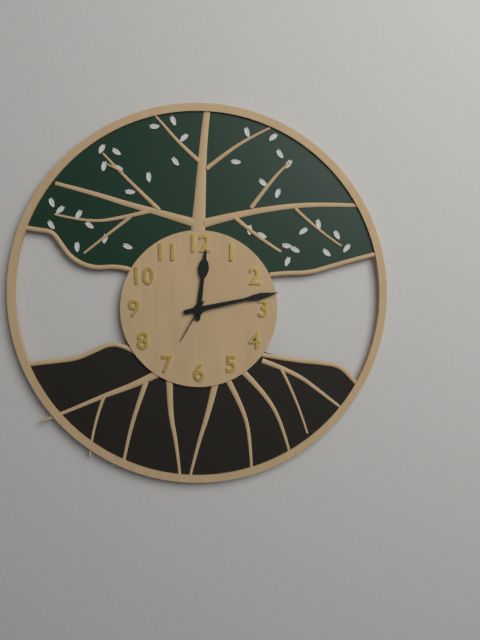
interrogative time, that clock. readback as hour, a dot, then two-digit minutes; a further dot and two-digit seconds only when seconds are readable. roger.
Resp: 12.13
